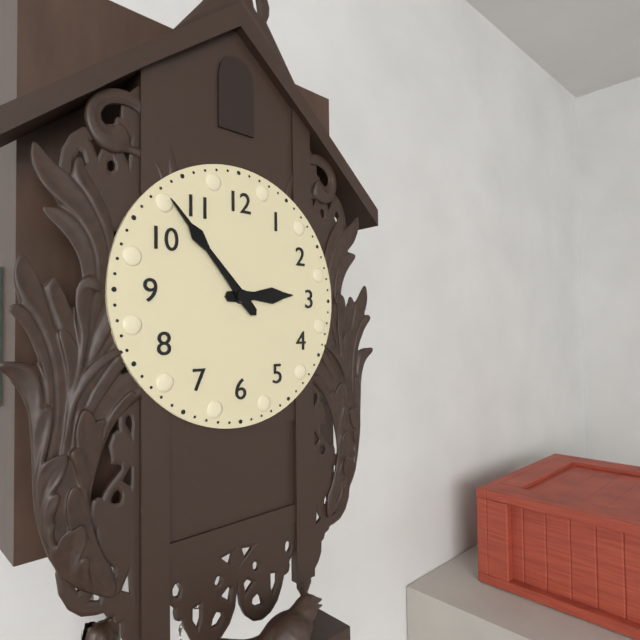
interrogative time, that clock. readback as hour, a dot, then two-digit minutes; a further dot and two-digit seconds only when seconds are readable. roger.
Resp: 2.53
